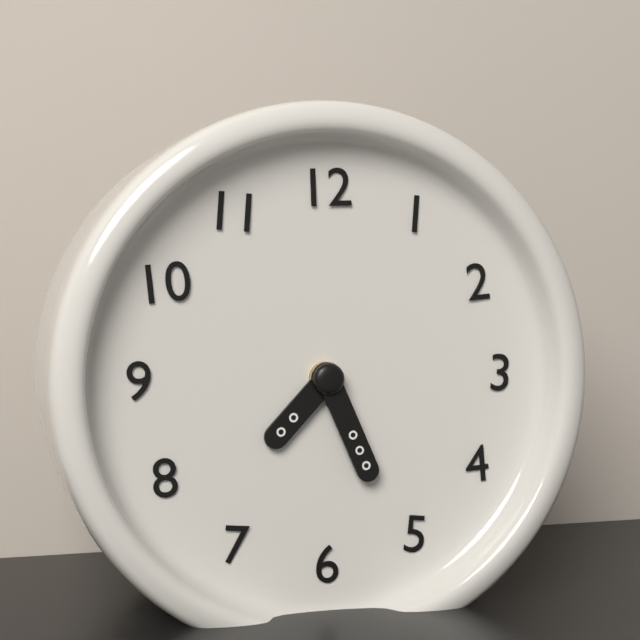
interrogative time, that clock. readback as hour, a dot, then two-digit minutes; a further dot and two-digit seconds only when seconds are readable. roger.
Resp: 7.26
